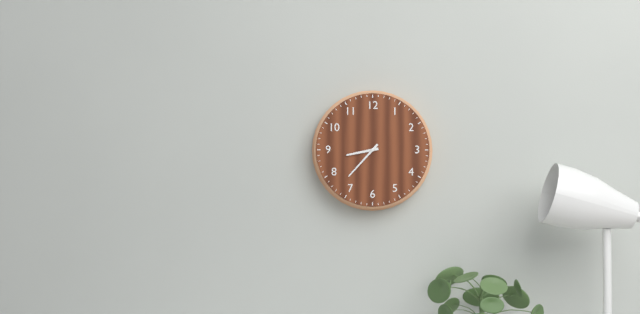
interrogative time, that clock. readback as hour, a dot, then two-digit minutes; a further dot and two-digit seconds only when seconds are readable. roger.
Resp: 8.37
